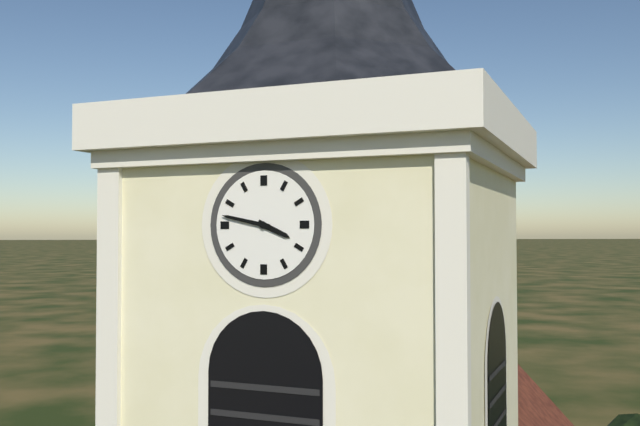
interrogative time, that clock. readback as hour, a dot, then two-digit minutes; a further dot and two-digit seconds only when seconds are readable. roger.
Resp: 3.47
